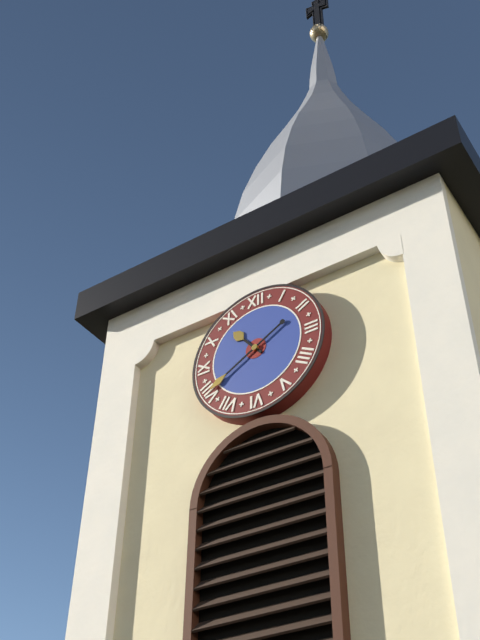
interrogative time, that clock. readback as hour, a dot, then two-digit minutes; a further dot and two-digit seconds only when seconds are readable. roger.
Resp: 10.40
